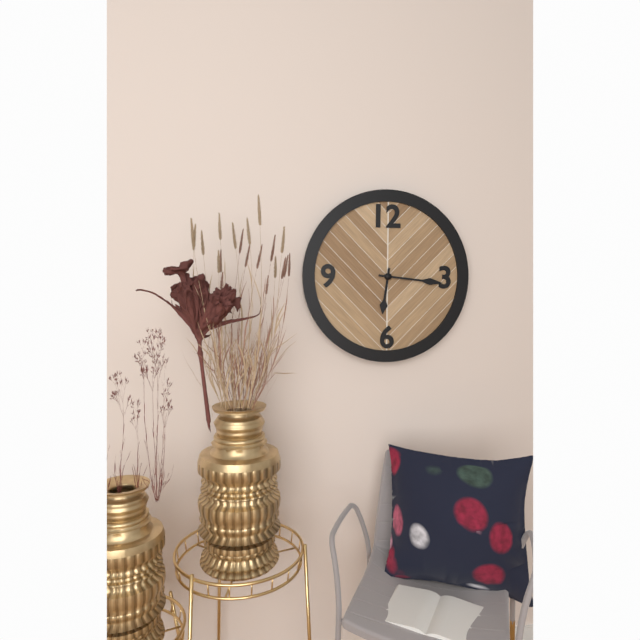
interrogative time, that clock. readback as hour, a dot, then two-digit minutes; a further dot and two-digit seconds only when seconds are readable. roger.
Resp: 6.16
